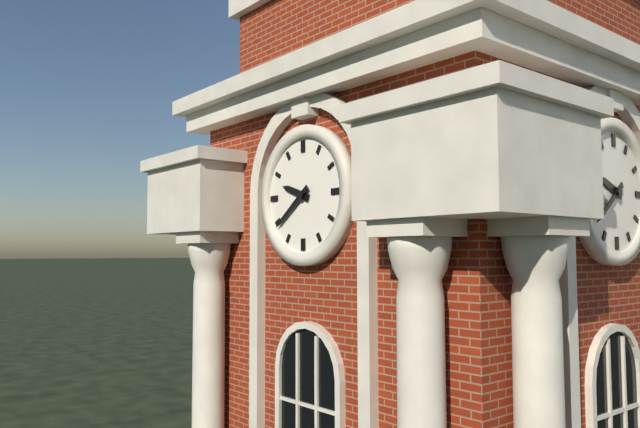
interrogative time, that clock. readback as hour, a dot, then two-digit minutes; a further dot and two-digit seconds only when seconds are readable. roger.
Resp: 9.39
